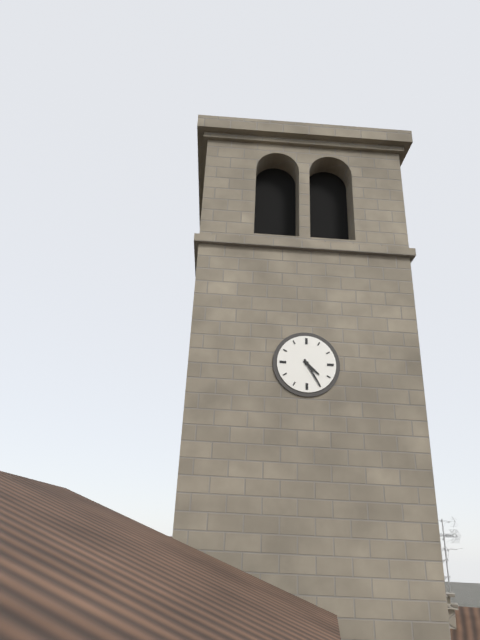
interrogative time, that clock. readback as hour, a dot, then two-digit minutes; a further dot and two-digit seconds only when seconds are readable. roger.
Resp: 4.25
